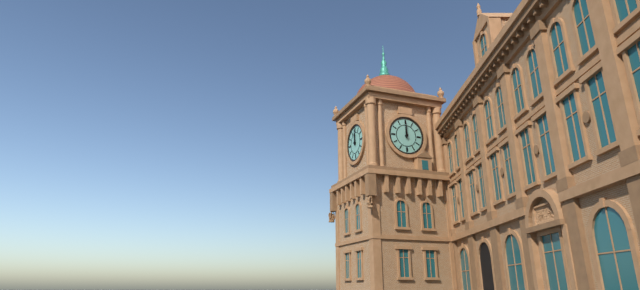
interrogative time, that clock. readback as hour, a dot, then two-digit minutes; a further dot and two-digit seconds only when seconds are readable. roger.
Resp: 12.00
